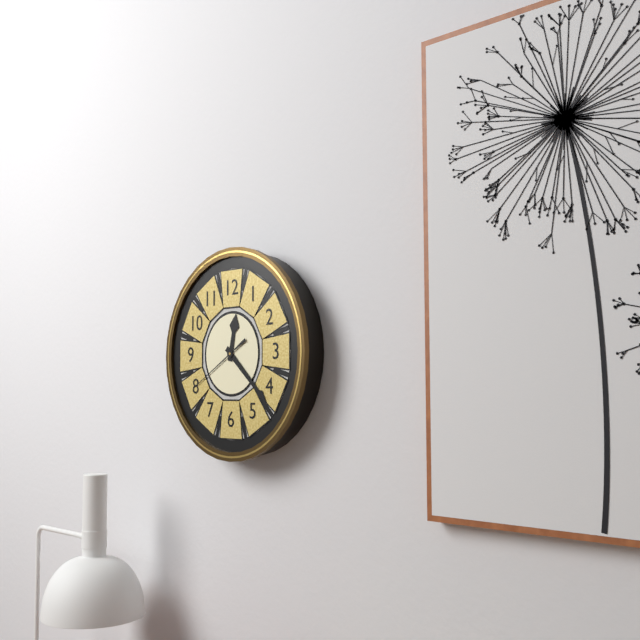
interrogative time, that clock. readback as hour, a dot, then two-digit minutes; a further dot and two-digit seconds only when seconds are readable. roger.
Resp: 12.22.40
